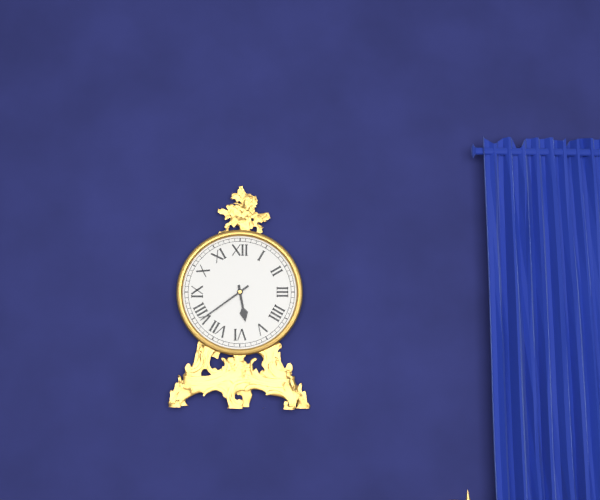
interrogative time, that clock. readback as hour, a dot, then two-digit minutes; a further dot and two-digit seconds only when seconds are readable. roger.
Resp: 5.39
